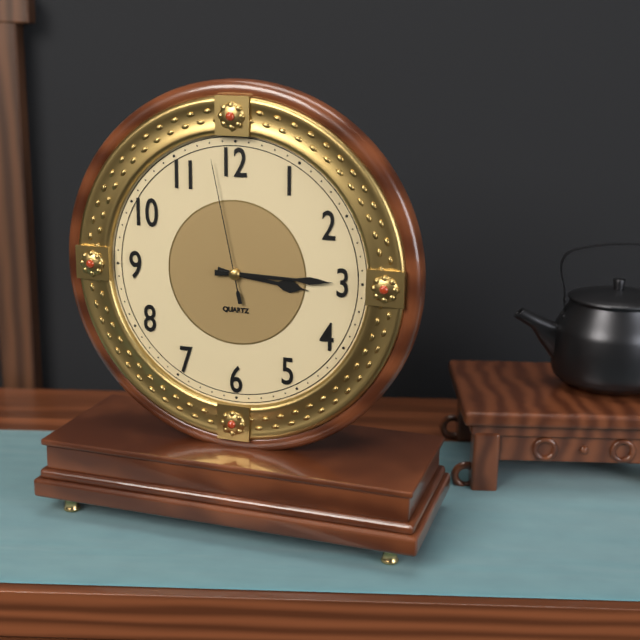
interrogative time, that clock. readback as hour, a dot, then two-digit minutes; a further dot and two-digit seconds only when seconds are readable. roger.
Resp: 3.15.58
